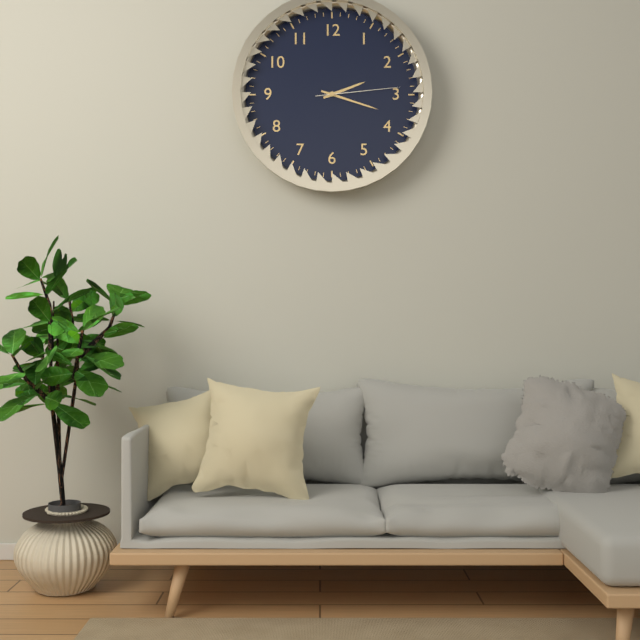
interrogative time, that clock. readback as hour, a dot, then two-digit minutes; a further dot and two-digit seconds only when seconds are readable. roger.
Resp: 2.18.14
